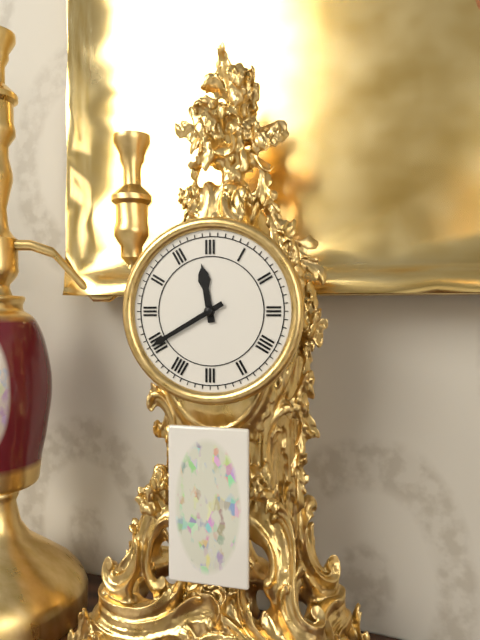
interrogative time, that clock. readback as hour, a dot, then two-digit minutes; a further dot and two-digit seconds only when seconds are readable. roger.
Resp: 11.40
